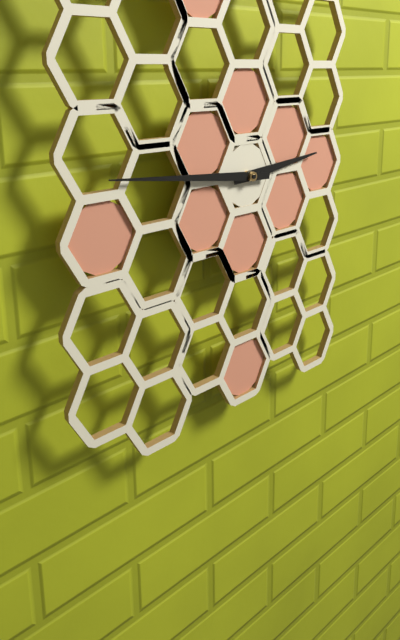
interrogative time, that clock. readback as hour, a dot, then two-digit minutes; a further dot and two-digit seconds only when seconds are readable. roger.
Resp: 2.46
